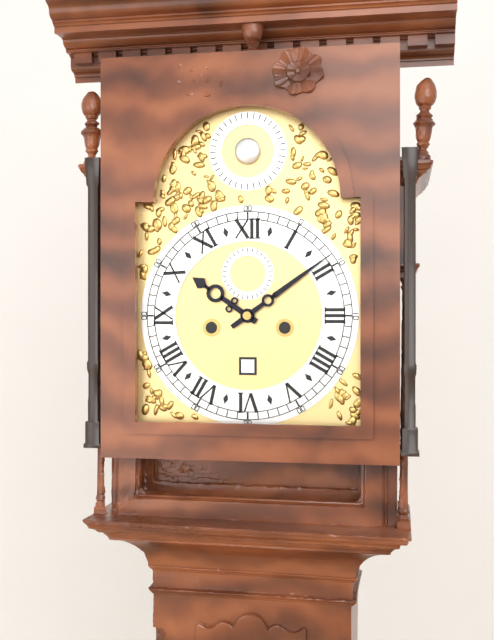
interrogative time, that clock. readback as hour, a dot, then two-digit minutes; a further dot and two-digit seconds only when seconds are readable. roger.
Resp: 10.09
